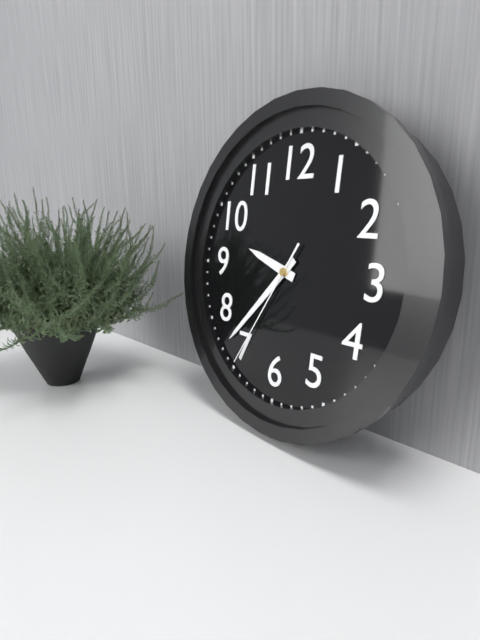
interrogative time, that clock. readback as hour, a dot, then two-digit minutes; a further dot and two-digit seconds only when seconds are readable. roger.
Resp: 9.37.35
